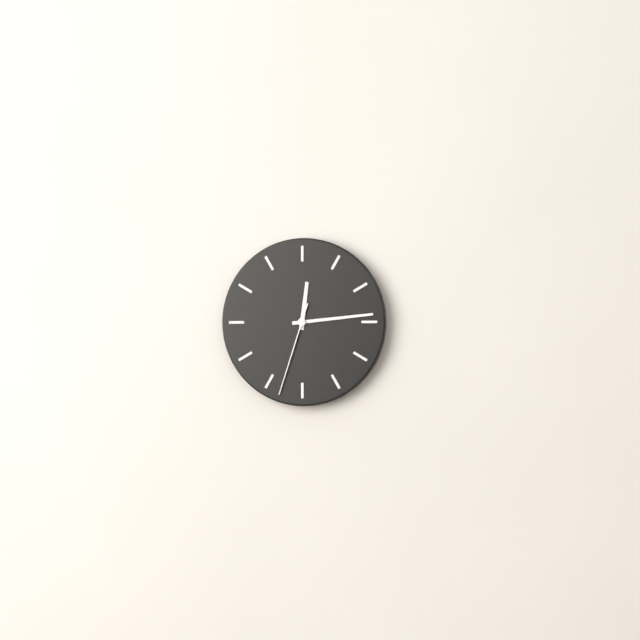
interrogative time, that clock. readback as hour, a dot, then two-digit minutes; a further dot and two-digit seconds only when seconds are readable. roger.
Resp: 12.14.33
